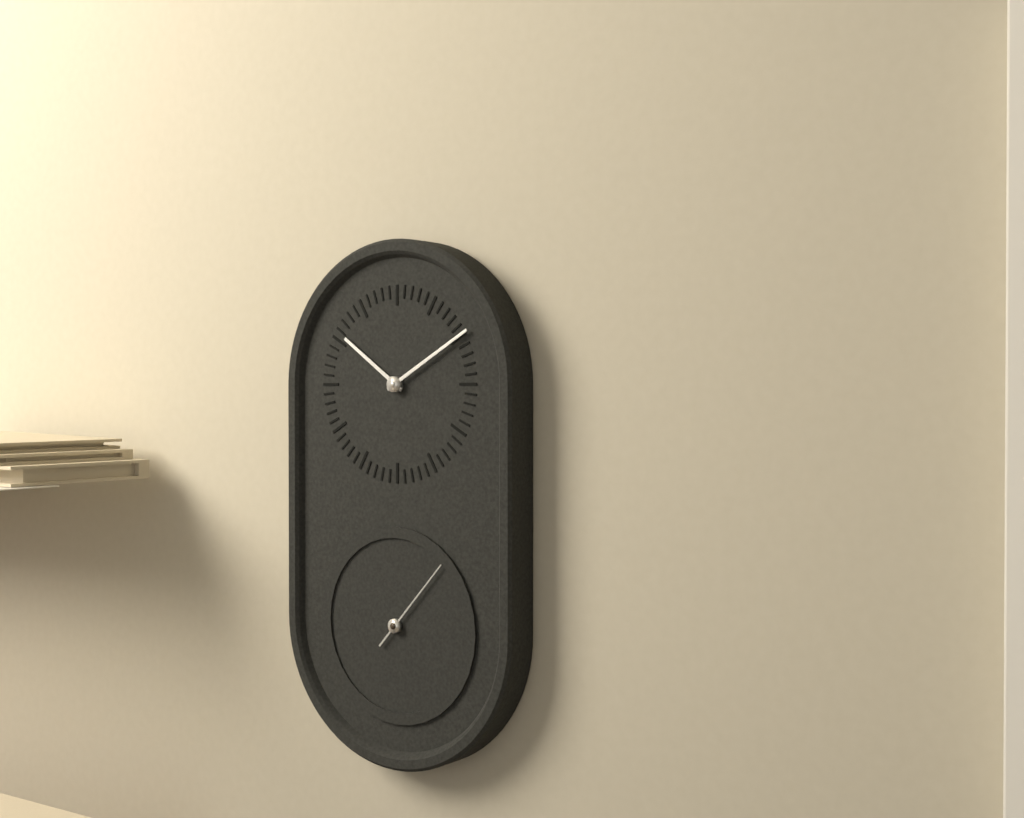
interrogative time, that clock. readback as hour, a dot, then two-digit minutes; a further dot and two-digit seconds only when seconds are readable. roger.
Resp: 10.10.07
